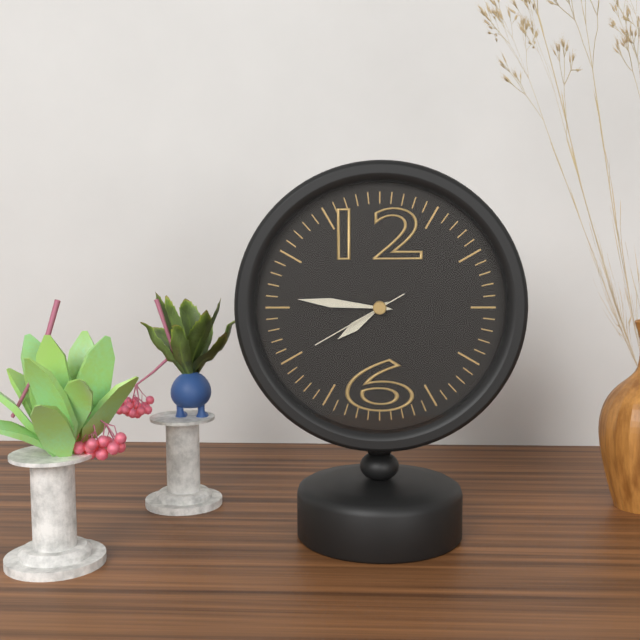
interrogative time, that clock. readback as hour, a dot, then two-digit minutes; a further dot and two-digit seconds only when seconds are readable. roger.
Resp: 7.46.40
